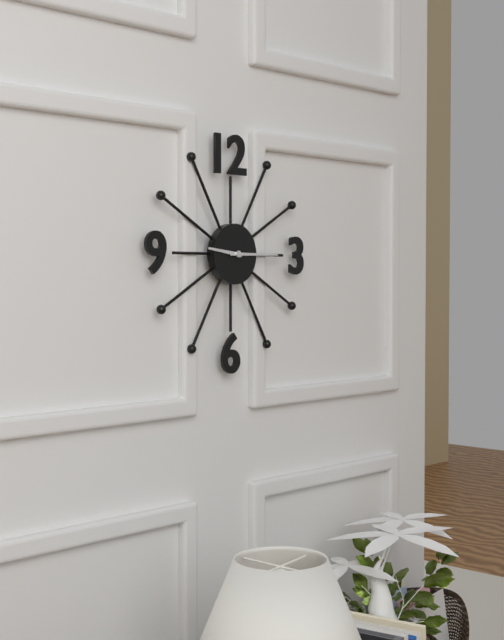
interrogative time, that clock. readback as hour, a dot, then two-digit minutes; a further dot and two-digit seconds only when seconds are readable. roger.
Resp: 9.15
